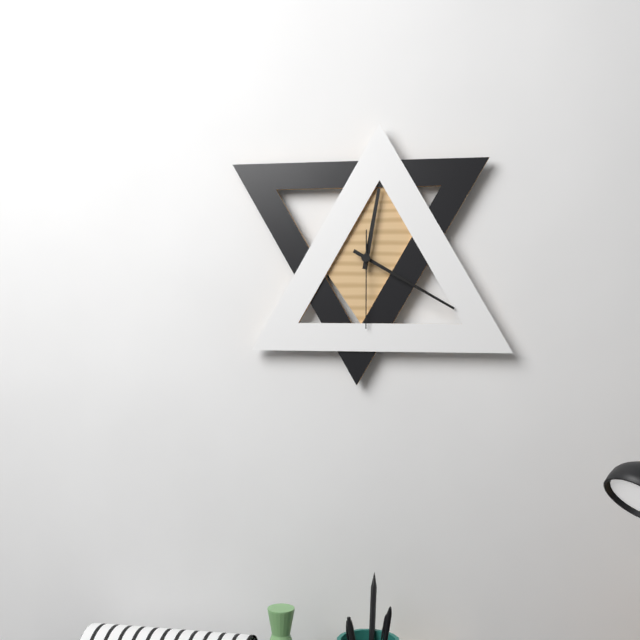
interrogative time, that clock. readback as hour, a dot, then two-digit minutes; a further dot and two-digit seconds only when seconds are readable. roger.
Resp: 12.20.30
